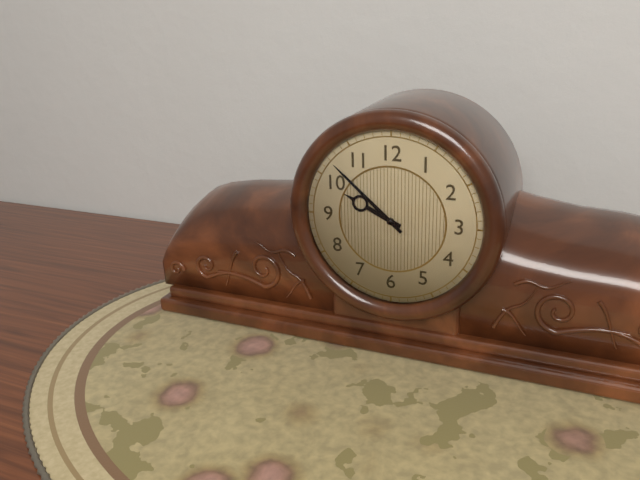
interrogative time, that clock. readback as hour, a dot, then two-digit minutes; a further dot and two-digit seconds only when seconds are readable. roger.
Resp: 9.52
